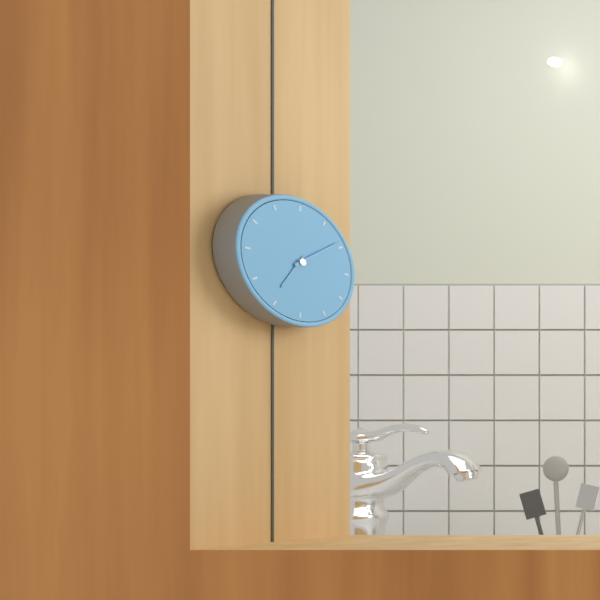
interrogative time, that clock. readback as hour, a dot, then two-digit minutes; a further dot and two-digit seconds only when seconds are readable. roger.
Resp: 7.09
